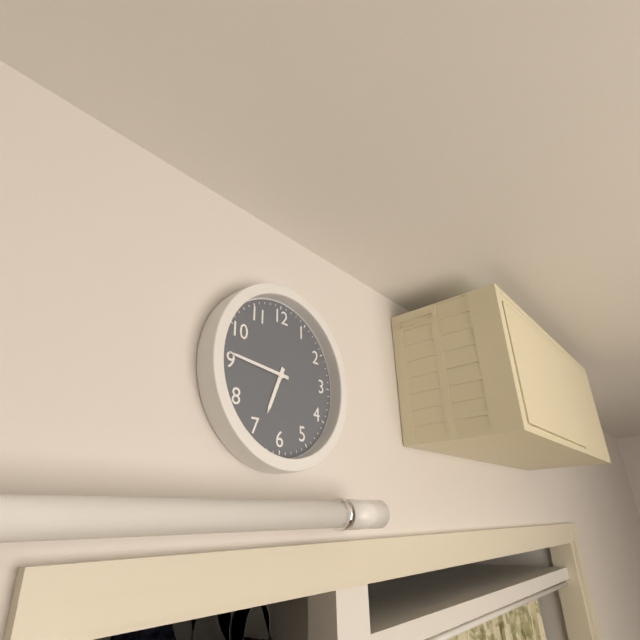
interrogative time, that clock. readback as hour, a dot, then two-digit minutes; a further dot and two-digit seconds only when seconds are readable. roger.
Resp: 6.46
